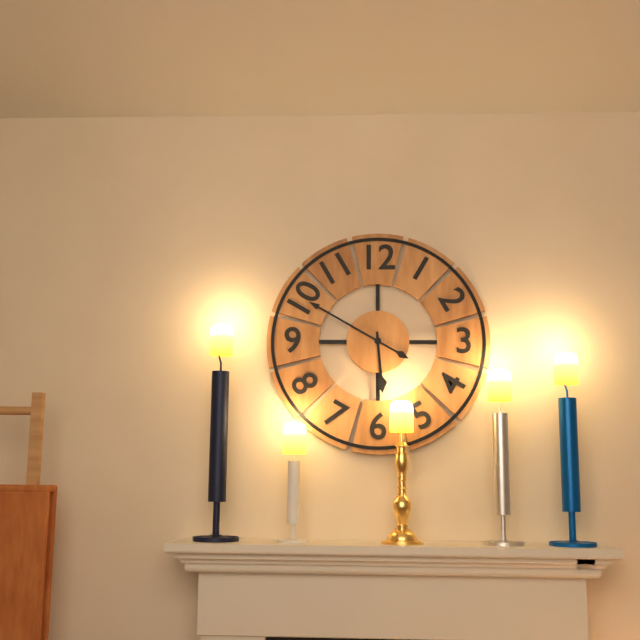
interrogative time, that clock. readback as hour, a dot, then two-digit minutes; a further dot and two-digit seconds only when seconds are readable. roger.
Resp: 5.50
